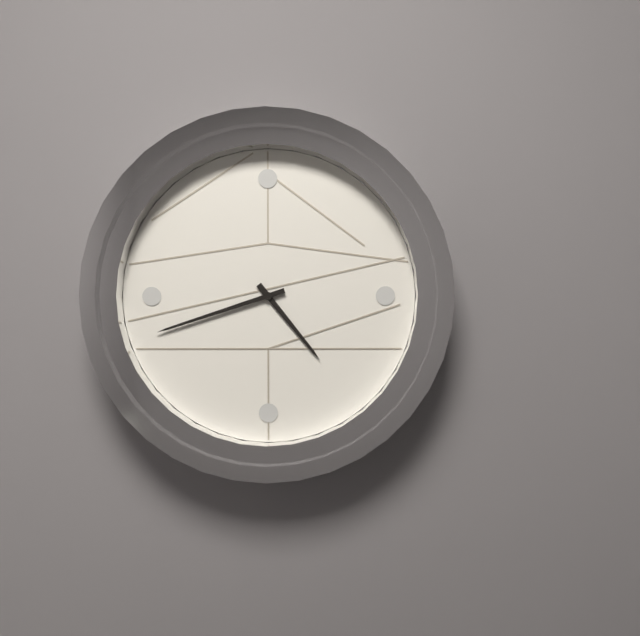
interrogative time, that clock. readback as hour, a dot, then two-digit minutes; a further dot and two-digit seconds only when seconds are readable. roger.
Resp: 4.42
